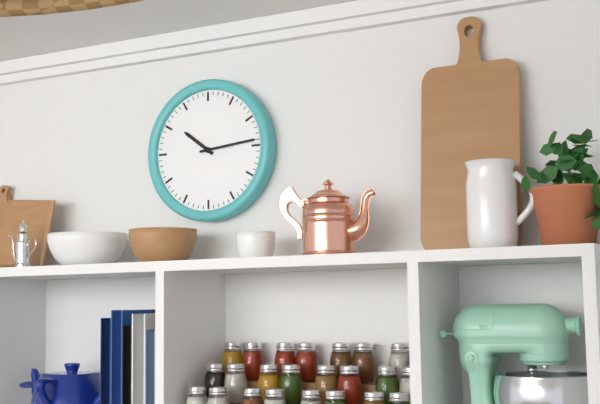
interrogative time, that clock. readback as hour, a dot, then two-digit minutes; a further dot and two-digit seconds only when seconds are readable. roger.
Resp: 10.14
